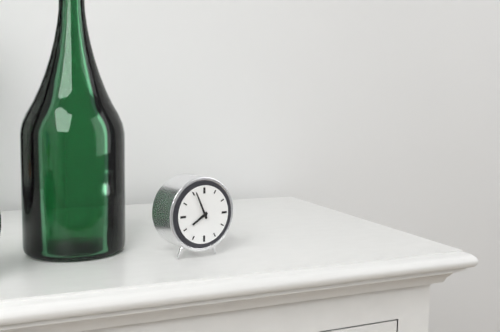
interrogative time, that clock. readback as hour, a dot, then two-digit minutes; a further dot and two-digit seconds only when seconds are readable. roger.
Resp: 7.56
